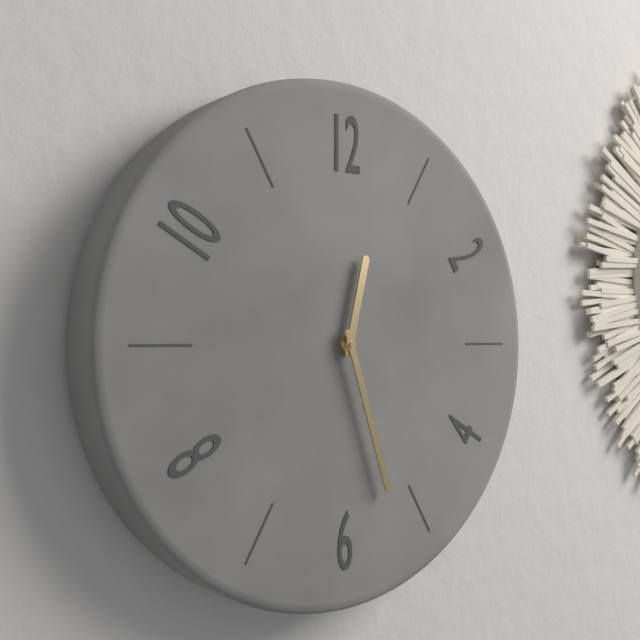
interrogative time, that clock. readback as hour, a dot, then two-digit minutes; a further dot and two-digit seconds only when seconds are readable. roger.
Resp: 12.27
